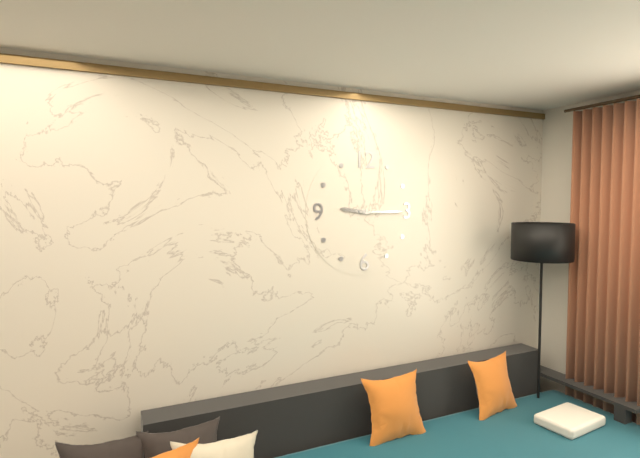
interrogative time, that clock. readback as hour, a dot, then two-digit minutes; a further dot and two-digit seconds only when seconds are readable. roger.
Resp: 9.15
